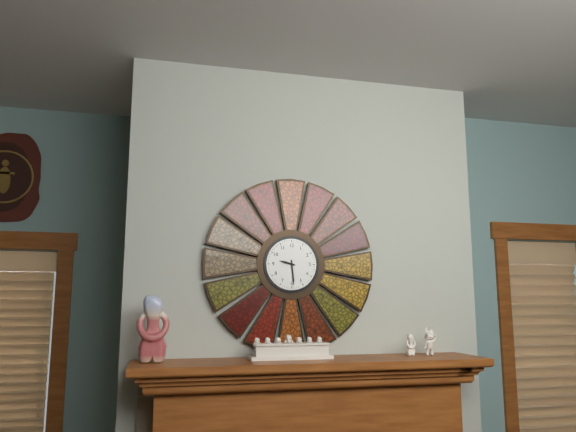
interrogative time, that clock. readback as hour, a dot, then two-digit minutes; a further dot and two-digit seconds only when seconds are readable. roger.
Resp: 9.29
